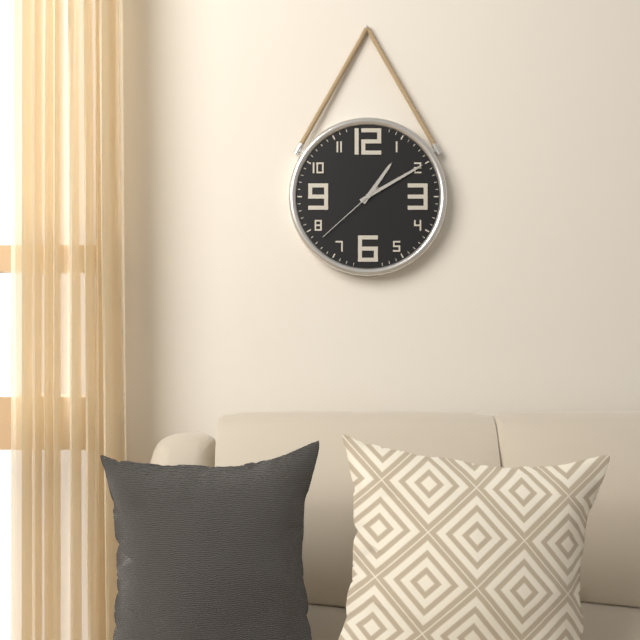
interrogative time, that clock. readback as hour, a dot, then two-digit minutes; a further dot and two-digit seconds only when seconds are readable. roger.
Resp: 1.10.38
